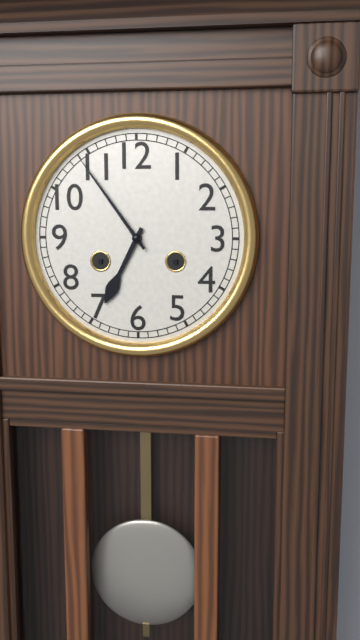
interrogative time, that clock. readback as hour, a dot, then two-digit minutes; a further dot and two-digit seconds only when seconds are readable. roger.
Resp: 6.54
